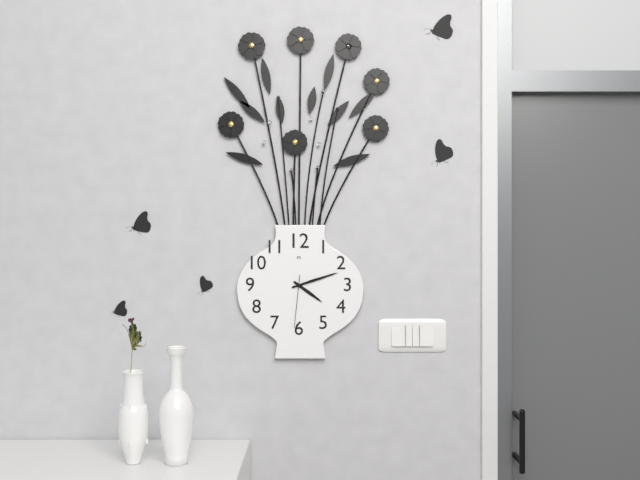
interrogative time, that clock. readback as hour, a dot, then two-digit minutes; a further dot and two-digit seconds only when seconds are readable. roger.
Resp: 4.12.31
